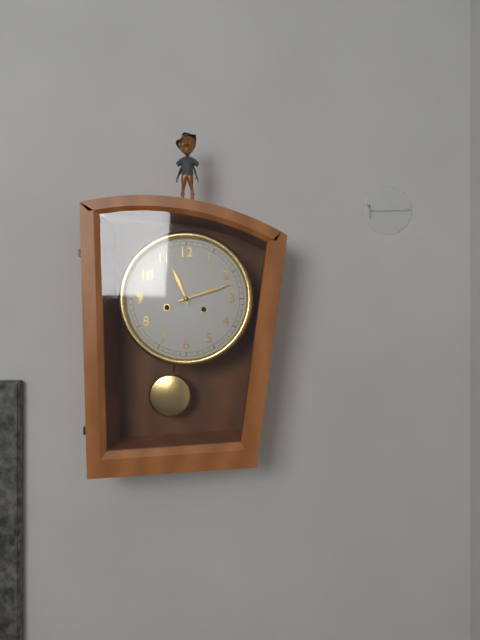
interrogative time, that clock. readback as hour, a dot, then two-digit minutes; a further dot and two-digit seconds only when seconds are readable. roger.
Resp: 11.12
